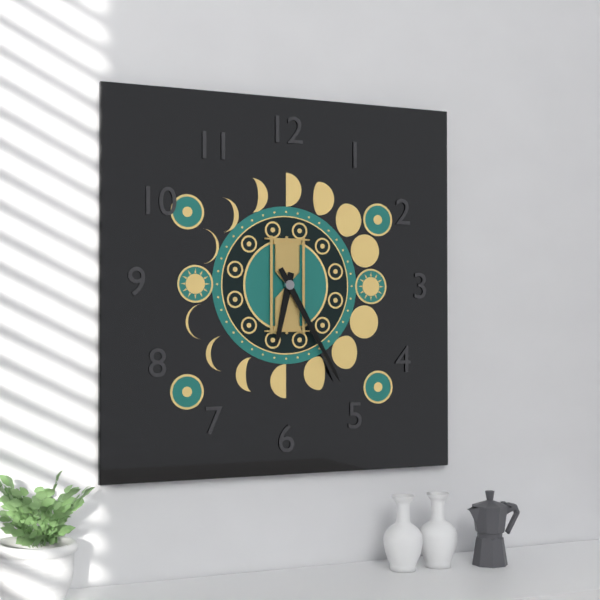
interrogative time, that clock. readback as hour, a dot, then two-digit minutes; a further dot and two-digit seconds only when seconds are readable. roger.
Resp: 6.25
